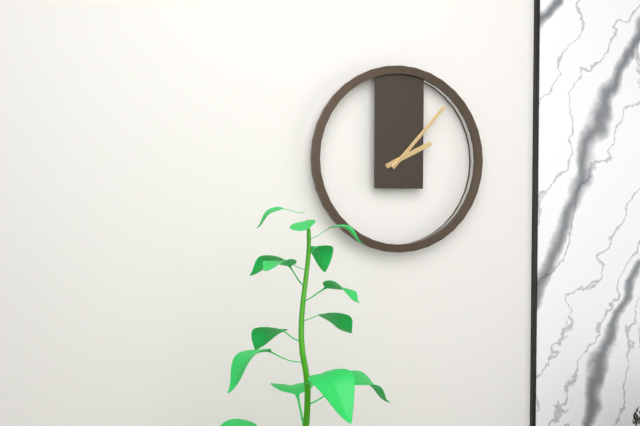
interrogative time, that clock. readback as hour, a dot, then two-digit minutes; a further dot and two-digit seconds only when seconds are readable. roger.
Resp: 2.07
